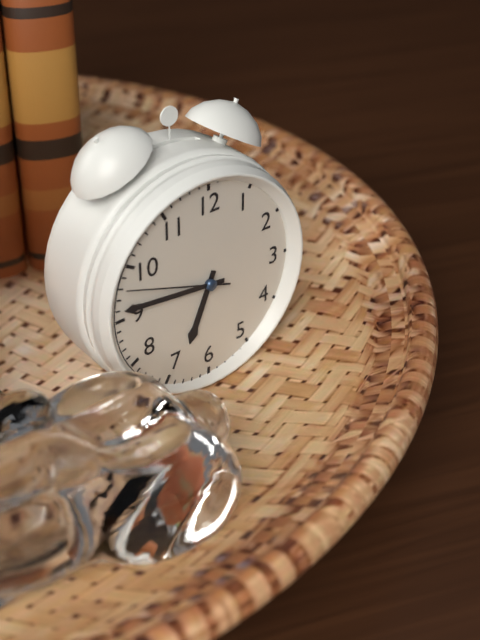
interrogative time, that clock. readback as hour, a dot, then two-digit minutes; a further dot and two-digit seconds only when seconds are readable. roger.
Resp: 6.46.48
